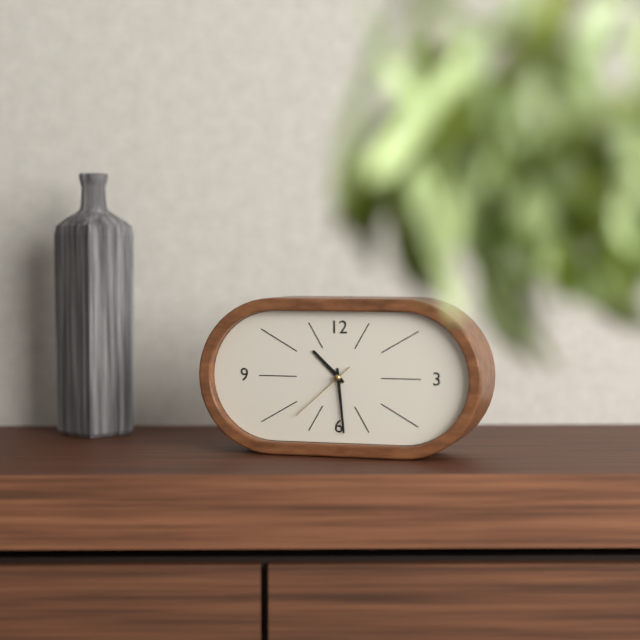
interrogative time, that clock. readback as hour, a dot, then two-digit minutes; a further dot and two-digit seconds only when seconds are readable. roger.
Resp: 10.29.38
